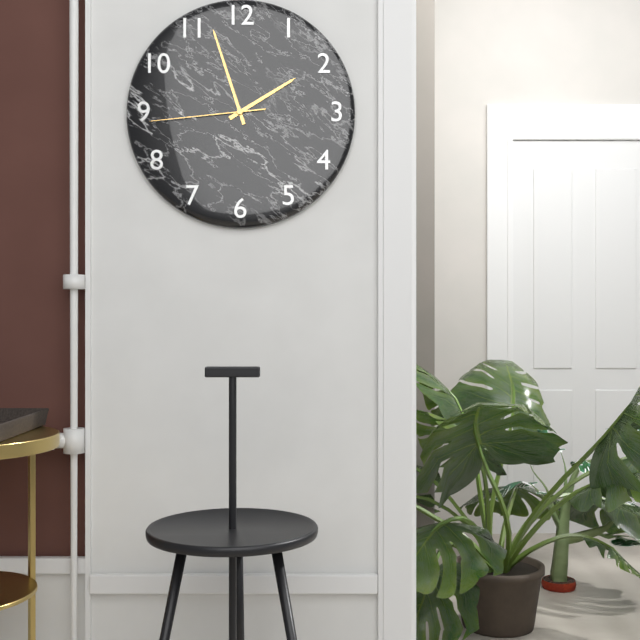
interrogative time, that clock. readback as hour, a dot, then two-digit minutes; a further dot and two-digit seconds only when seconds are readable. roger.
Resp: 1.57.44
